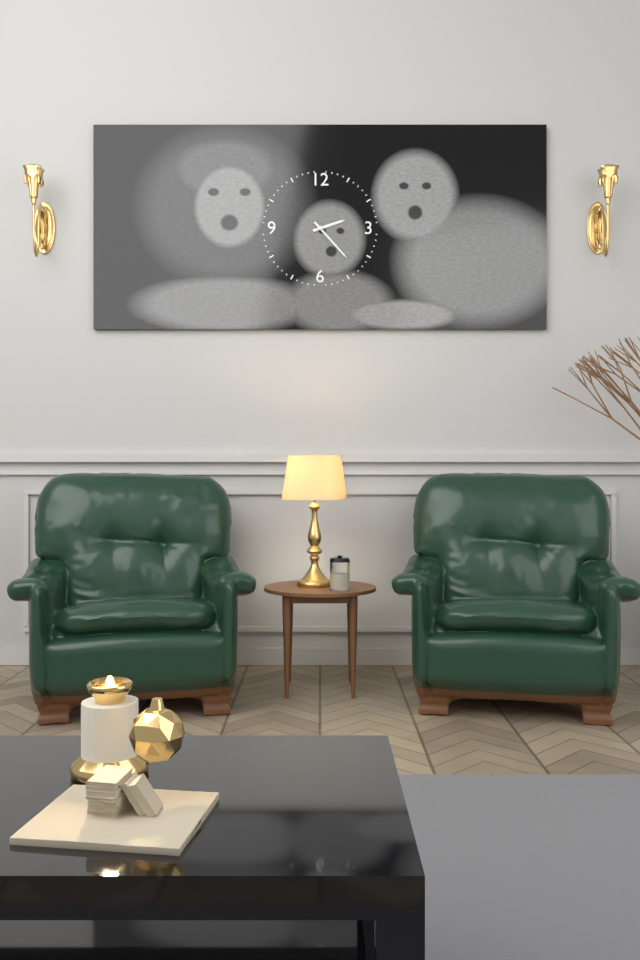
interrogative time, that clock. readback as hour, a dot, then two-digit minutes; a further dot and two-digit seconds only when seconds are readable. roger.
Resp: 2.23
